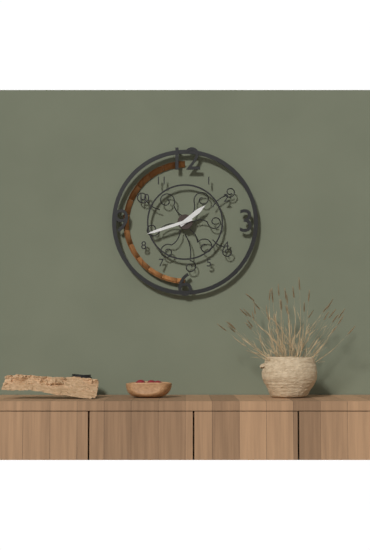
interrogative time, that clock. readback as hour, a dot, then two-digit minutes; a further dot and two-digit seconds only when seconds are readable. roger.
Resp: 1.42
